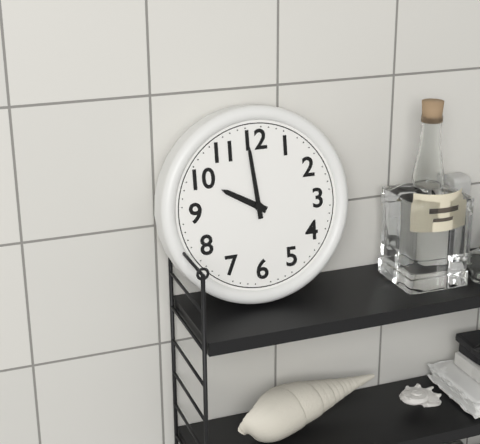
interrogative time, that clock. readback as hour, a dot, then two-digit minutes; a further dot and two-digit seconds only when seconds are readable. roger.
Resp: 9.59
